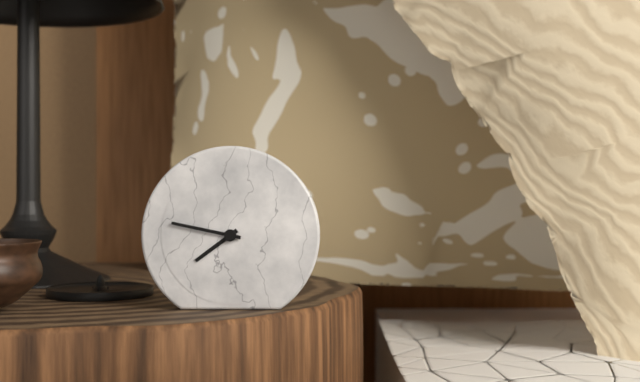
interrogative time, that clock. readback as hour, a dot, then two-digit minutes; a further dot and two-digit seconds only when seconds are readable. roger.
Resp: 7.47
